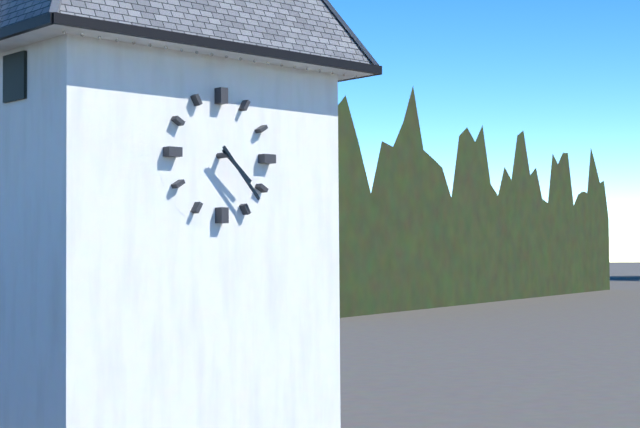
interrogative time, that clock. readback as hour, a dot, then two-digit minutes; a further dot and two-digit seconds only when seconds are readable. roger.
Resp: 4.23
